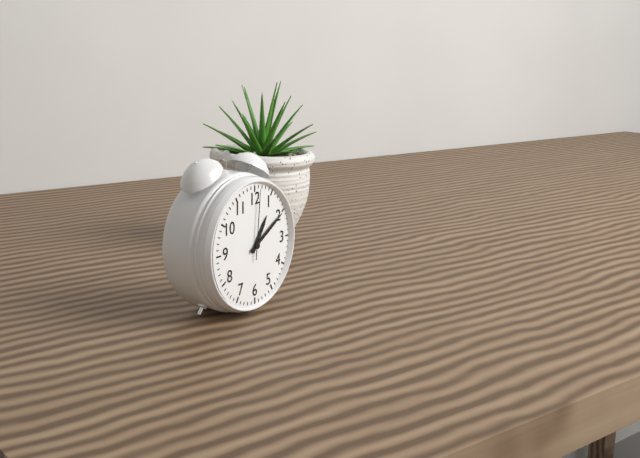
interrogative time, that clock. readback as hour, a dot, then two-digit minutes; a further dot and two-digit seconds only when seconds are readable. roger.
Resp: 1.10.01
